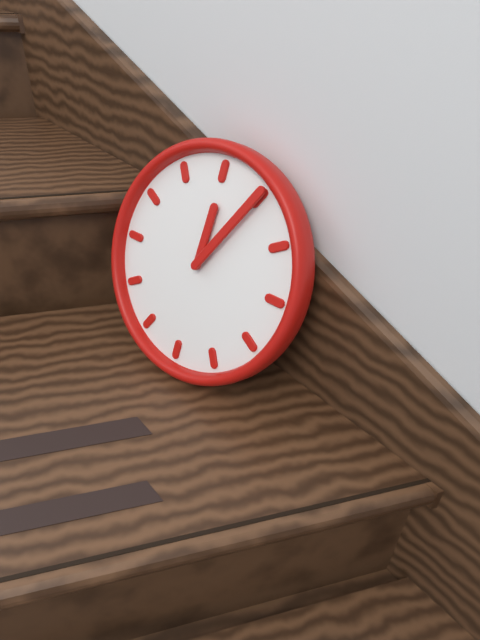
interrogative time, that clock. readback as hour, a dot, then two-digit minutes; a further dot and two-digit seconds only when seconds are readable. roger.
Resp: 12.05
